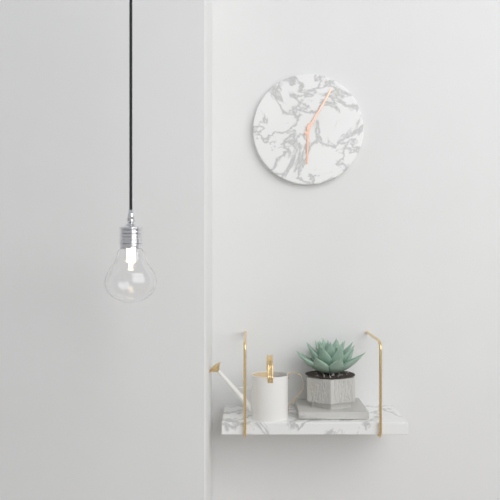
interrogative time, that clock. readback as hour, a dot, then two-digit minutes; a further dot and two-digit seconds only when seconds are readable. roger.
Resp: 6.05
